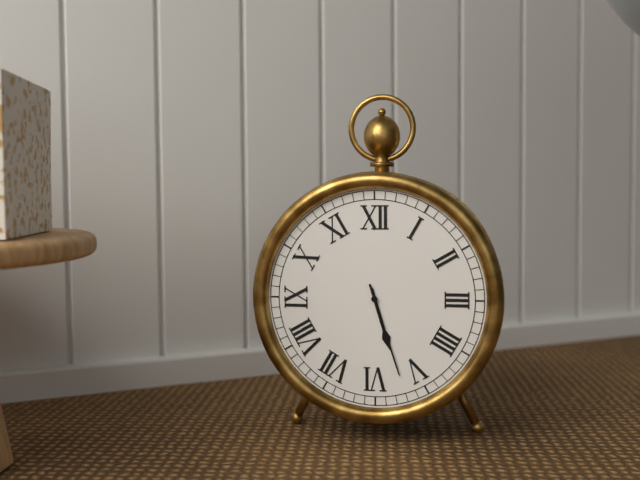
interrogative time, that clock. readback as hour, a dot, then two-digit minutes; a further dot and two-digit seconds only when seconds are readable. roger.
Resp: 5.27
